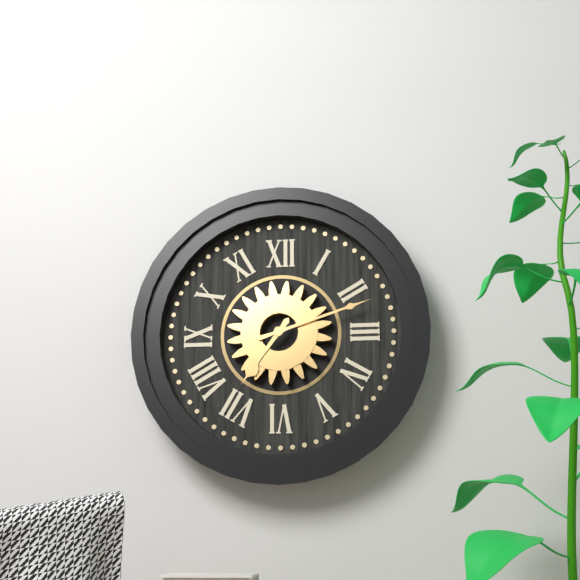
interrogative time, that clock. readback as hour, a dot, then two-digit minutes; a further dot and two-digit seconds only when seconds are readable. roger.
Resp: 7.12
